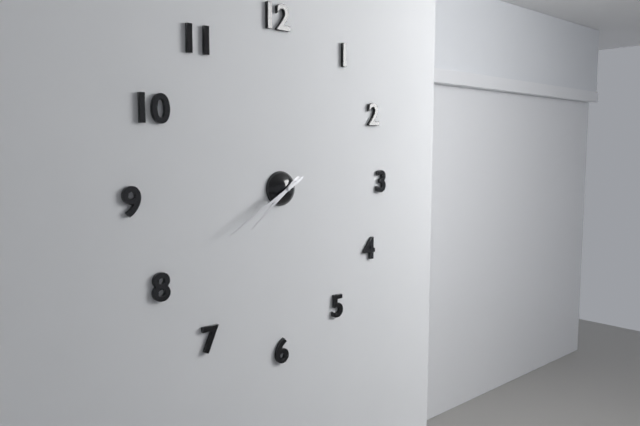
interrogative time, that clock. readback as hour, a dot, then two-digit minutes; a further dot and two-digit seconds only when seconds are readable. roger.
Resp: 7.40
